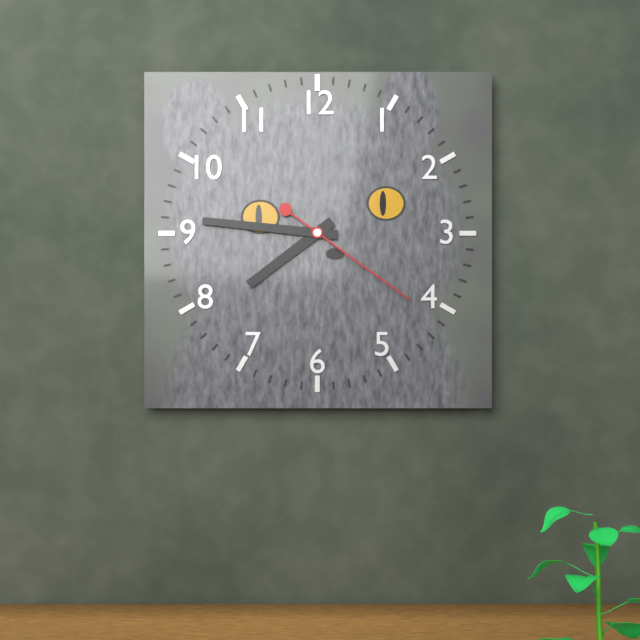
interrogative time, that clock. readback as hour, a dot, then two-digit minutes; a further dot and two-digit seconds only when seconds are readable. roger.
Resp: 7.46.21
